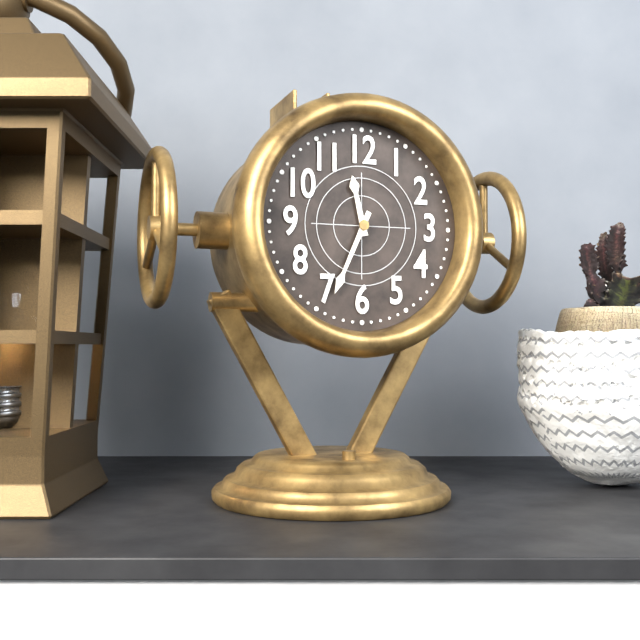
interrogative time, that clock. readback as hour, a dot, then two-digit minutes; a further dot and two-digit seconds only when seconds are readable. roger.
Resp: 11.34
